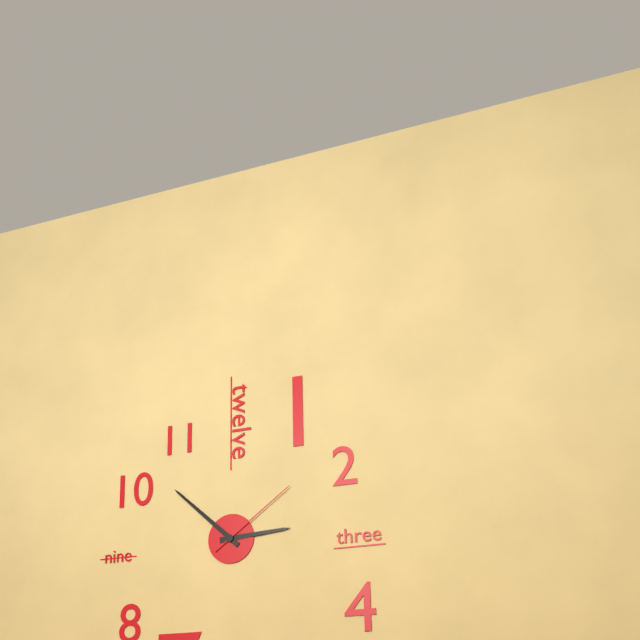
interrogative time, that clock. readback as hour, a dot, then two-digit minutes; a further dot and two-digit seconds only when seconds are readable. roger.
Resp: 2.52.09
